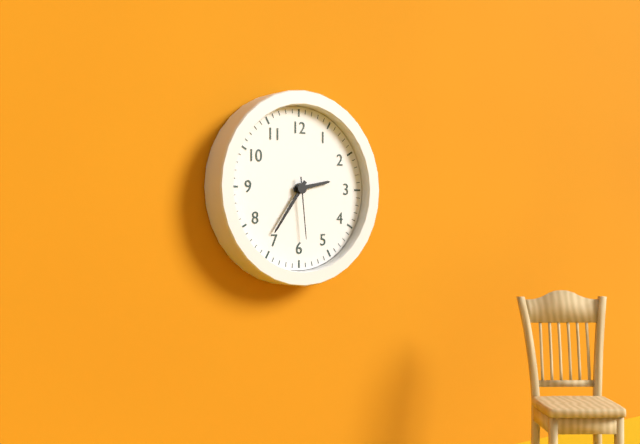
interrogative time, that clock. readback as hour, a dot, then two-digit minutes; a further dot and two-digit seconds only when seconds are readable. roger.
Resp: 2.36.29
